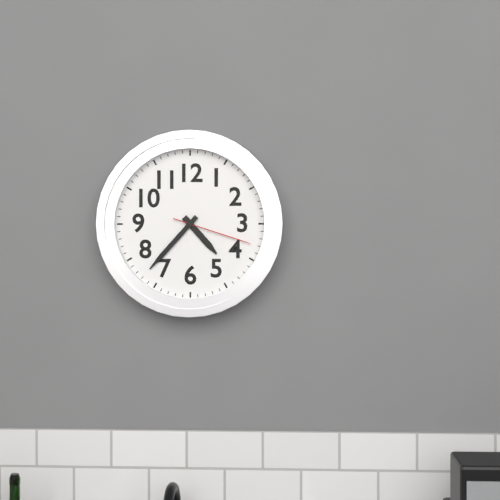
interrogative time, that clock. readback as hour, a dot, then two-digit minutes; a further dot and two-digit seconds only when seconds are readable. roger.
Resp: 4.37.18
